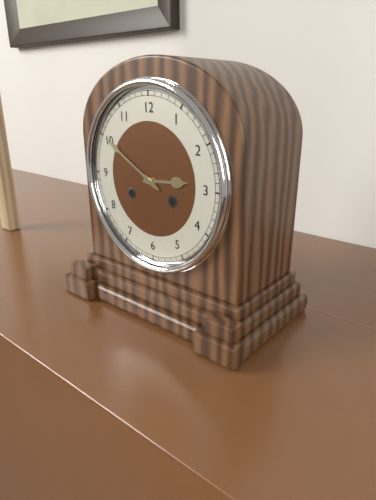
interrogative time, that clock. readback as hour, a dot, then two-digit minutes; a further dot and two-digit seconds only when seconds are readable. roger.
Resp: 2.50
